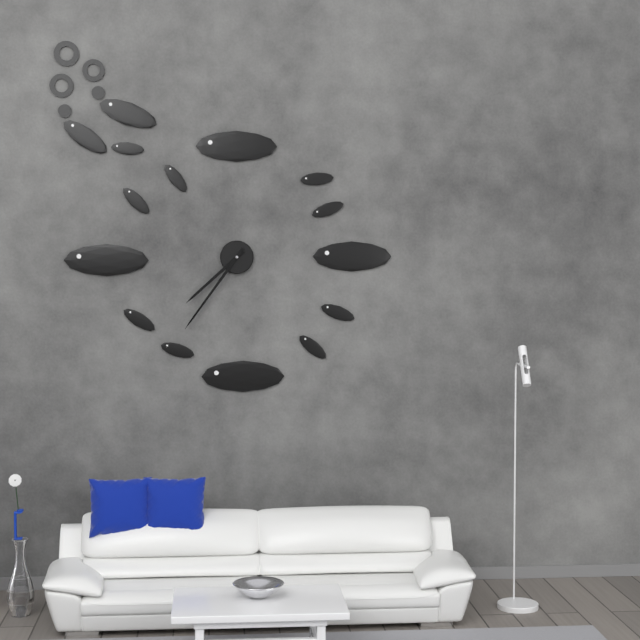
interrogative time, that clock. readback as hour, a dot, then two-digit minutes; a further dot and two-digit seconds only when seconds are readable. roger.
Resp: 7.36
